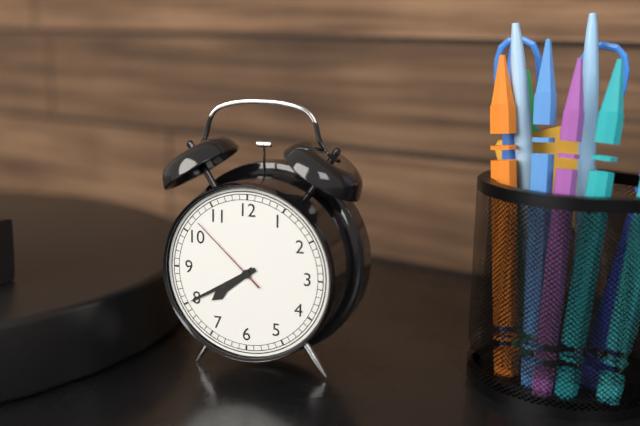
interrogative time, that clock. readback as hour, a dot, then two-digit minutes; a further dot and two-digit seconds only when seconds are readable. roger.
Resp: 7.40.52
